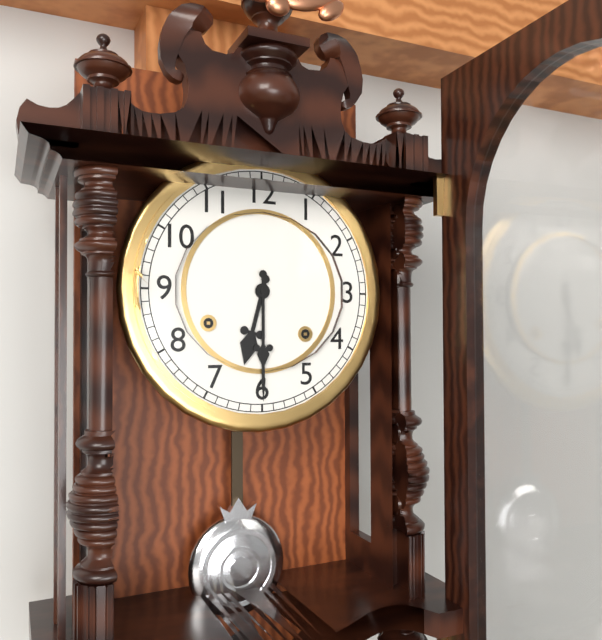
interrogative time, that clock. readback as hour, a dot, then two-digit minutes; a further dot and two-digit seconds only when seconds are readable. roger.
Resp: 6.30
